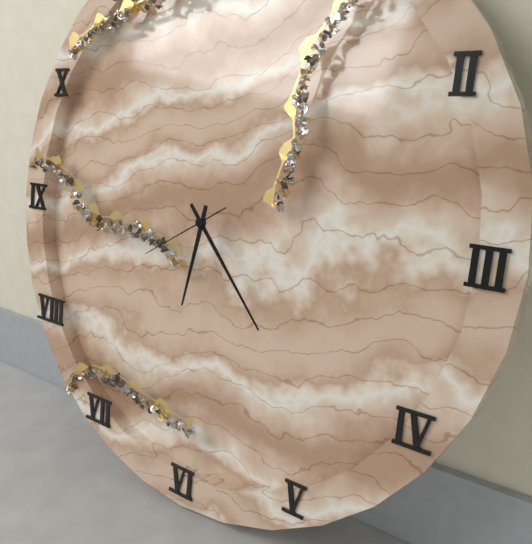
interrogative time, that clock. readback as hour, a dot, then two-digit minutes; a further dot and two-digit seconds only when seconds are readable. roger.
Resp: 6.23.40
